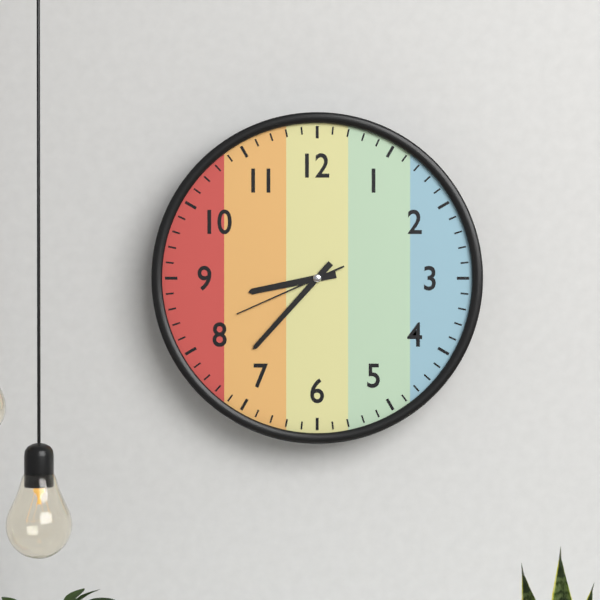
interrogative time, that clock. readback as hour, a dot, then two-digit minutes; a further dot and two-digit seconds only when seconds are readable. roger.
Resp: 8.37.41
